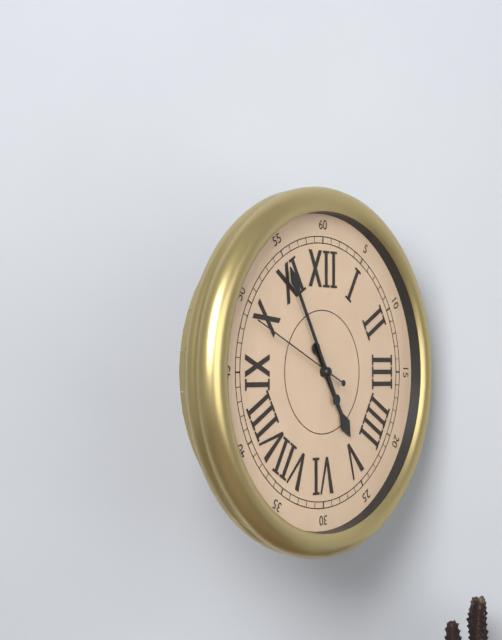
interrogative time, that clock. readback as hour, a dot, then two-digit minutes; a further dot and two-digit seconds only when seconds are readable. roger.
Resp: 4.55.49
